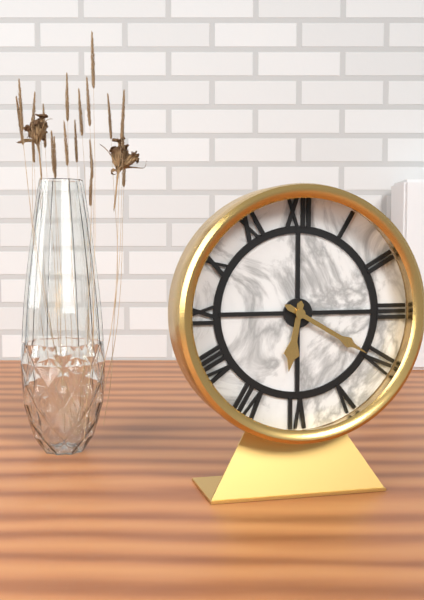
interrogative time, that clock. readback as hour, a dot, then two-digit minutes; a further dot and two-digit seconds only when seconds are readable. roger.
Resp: 6.20
